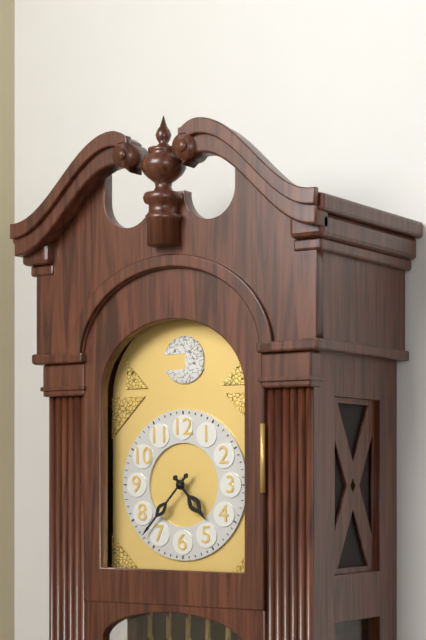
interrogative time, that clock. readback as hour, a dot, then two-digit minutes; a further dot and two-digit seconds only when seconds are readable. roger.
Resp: 4.37
